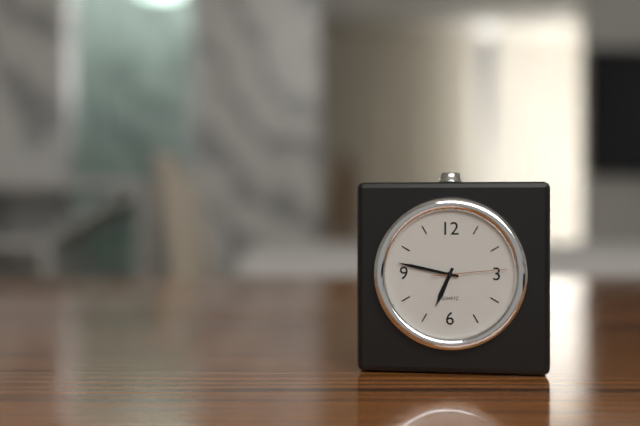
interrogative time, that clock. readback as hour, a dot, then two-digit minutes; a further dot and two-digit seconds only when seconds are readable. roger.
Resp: 6.47.14
